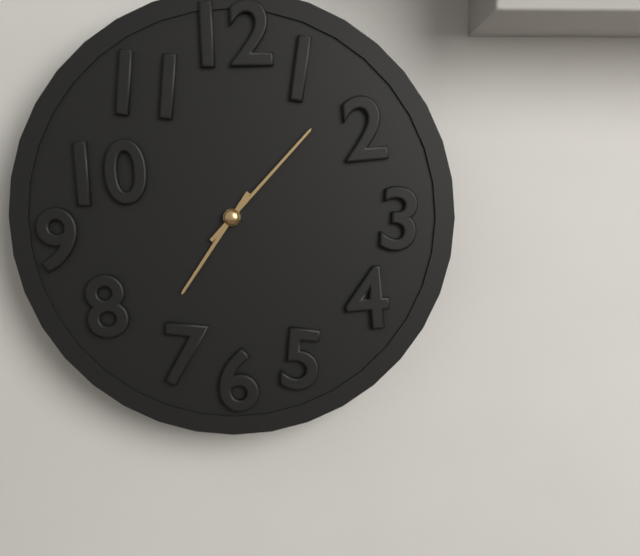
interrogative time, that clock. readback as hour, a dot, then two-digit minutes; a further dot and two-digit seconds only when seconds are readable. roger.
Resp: 7.07
